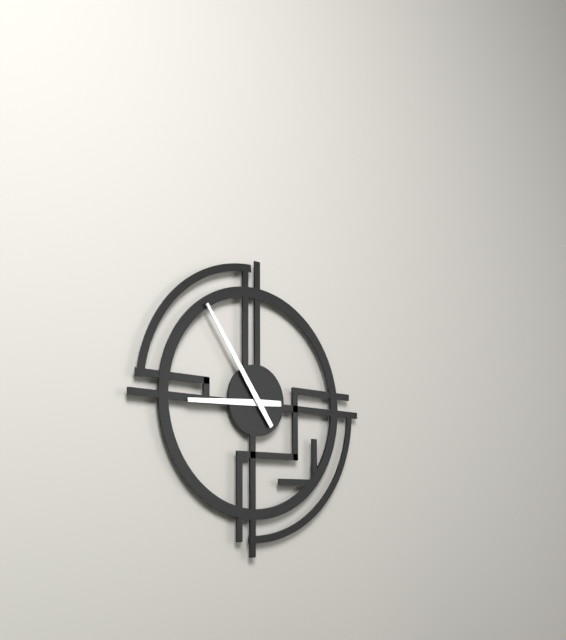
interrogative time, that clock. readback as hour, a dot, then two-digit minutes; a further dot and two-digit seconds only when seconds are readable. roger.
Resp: 8.54
